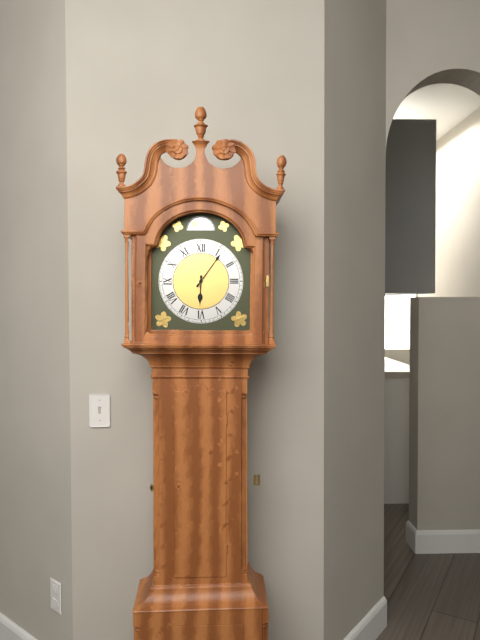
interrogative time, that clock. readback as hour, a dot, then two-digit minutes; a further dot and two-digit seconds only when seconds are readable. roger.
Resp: 6.06
